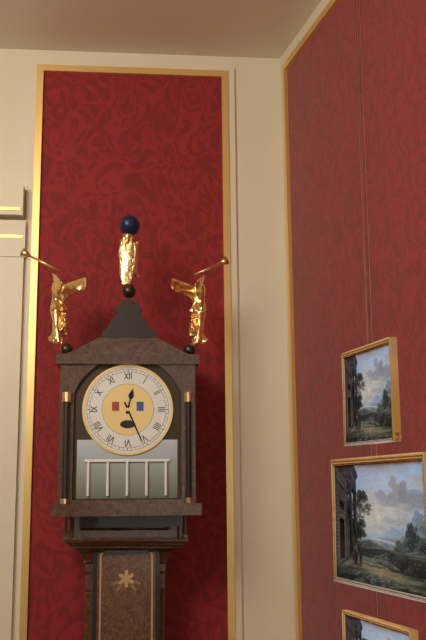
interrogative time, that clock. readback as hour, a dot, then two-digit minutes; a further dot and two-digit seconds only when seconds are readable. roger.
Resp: 12.26
